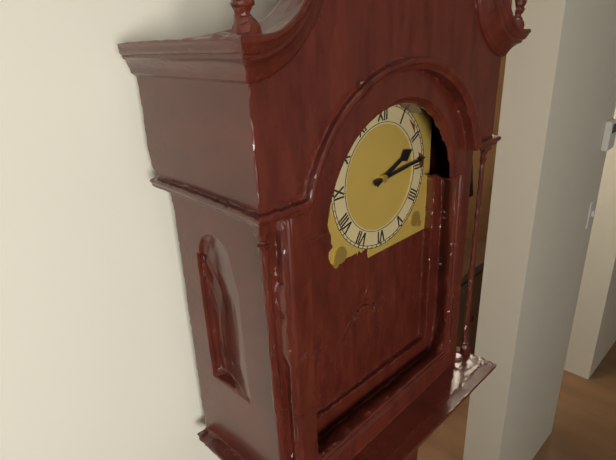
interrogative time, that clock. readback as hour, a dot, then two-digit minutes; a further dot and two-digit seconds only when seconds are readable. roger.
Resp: 2.14
